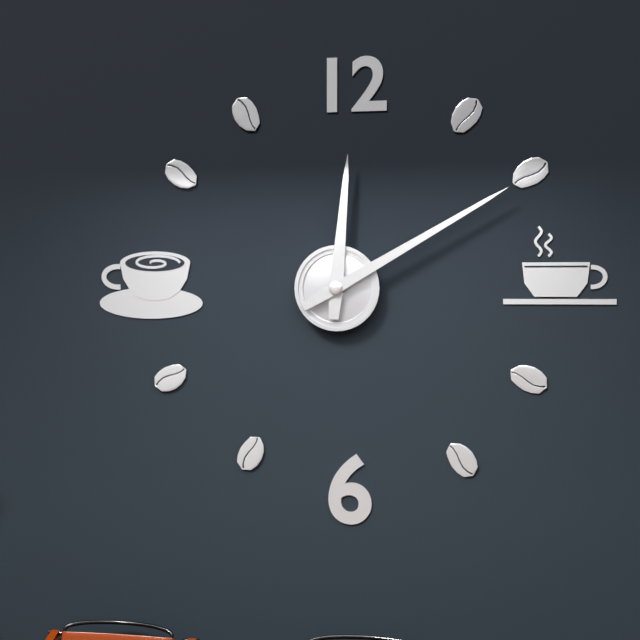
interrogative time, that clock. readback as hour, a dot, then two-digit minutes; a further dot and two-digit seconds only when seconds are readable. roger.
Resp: 12.10
